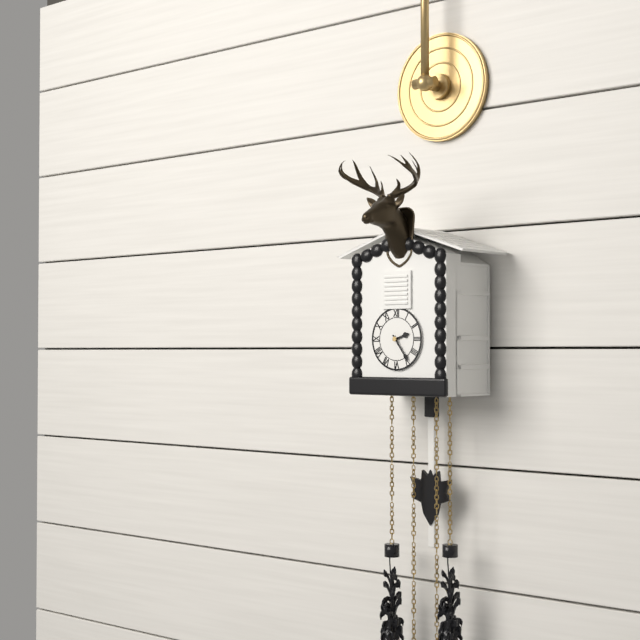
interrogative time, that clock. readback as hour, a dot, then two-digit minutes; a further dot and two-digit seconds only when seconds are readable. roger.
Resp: 2.24
